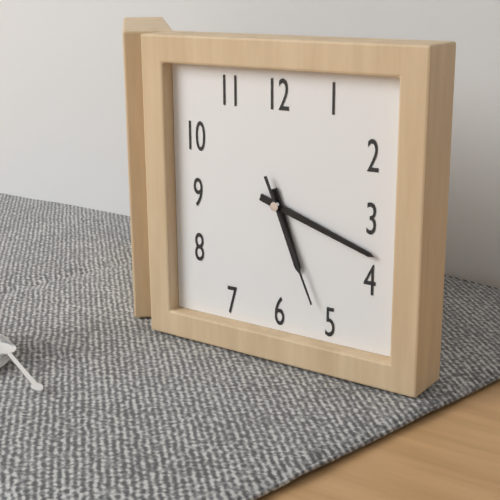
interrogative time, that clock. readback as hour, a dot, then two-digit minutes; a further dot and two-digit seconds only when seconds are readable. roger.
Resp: 5.18.26
